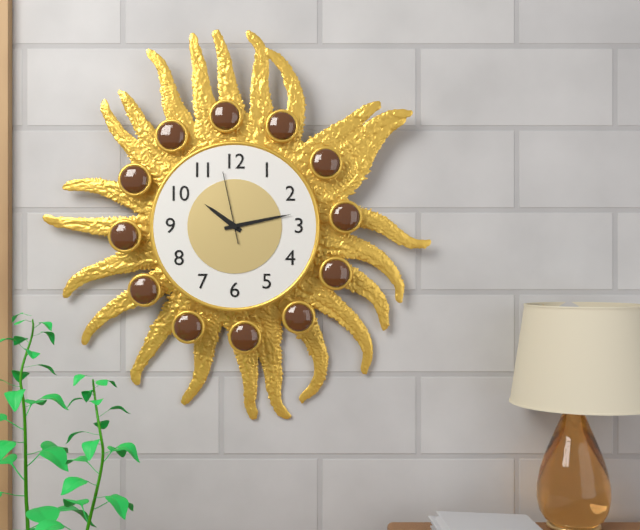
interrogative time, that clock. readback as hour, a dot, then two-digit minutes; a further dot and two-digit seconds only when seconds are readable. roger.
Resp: 10.13.58
